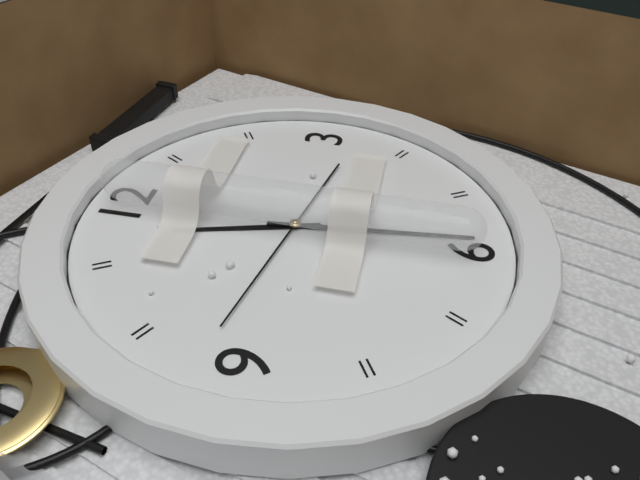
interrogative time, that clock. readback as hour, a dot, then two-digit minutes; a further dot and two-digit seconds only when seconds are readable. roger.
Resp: 11.29.47
